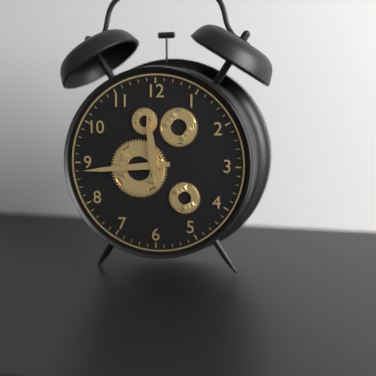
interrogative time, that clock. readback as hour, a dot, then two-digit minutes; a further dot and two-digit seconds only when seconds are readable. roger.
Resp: 11.44
